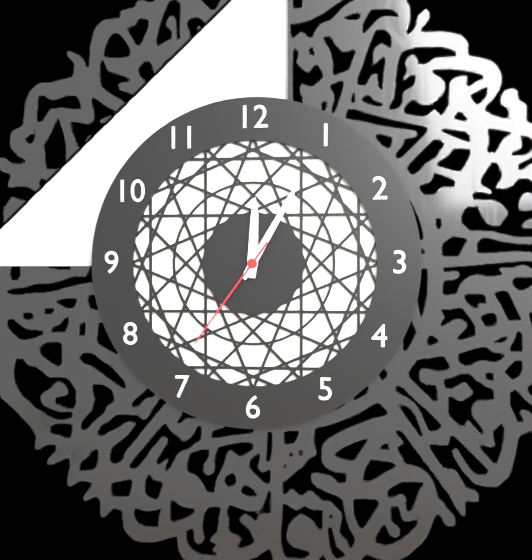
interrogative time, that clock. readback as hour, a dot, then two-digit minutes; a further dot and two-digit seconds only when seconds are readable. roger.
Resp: 12.05.36
